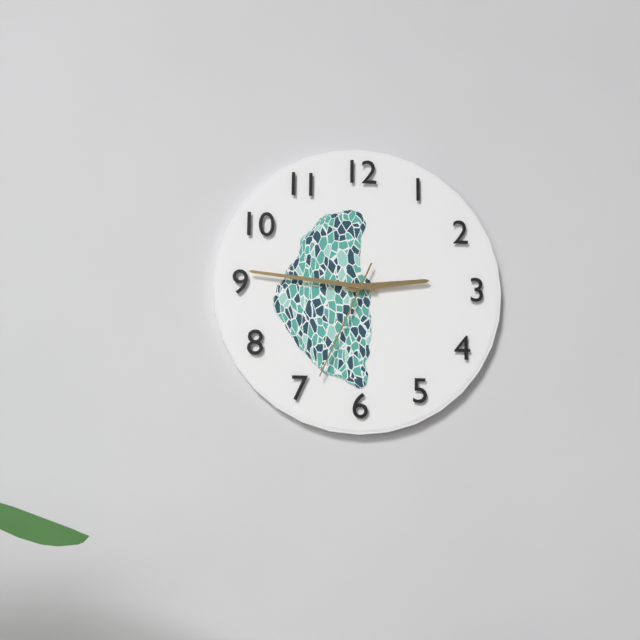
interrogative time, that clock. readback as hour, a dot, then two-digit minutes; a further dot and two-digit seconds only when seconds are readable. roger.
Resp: 2.46.34
